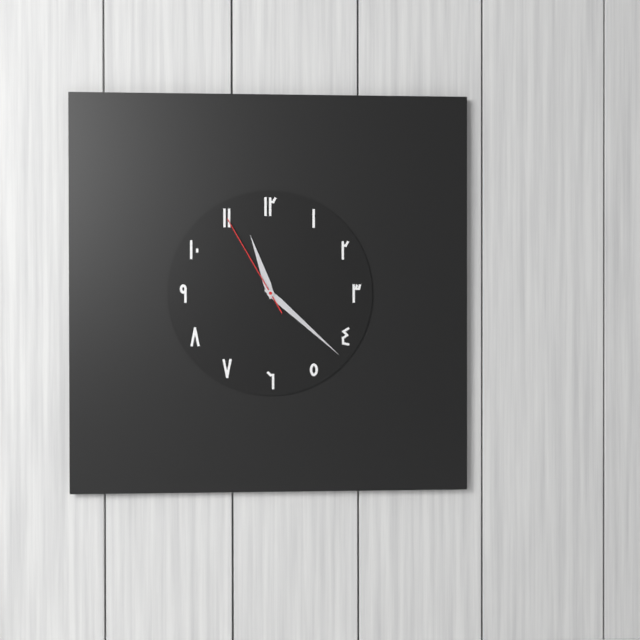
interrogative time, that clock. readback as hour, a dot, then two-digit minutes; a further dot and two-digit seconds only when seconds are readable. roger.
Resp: 11.22.55
